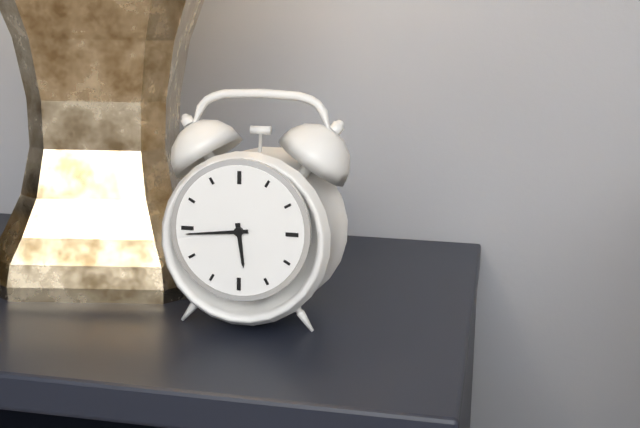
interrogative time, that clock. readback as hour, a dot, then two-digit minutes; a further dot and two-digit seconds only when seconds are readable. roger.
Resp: 5.44
